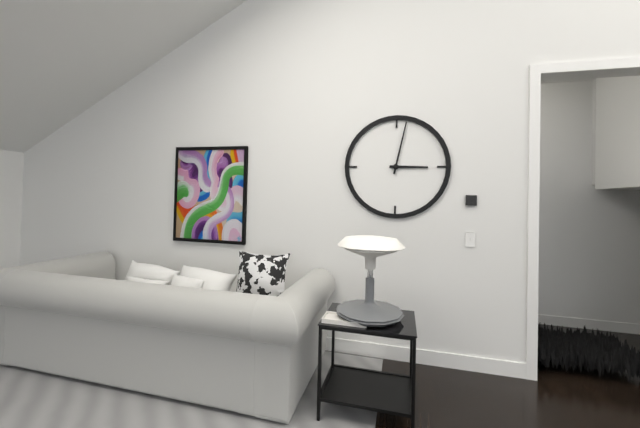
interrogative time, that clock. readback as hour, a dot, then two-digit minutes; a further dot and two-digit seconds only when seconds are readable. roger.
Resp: 3.02
